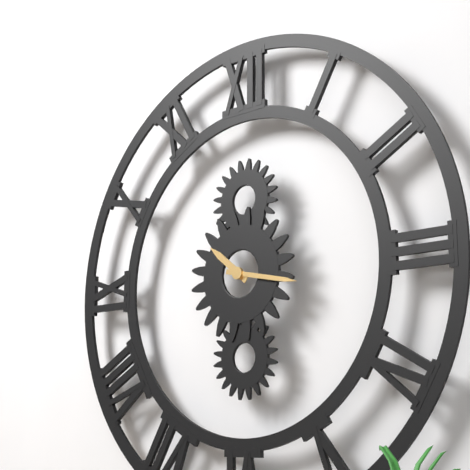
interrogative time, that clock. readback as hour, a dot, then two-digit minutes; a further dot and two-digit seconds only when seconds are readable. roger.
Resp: 10.17
